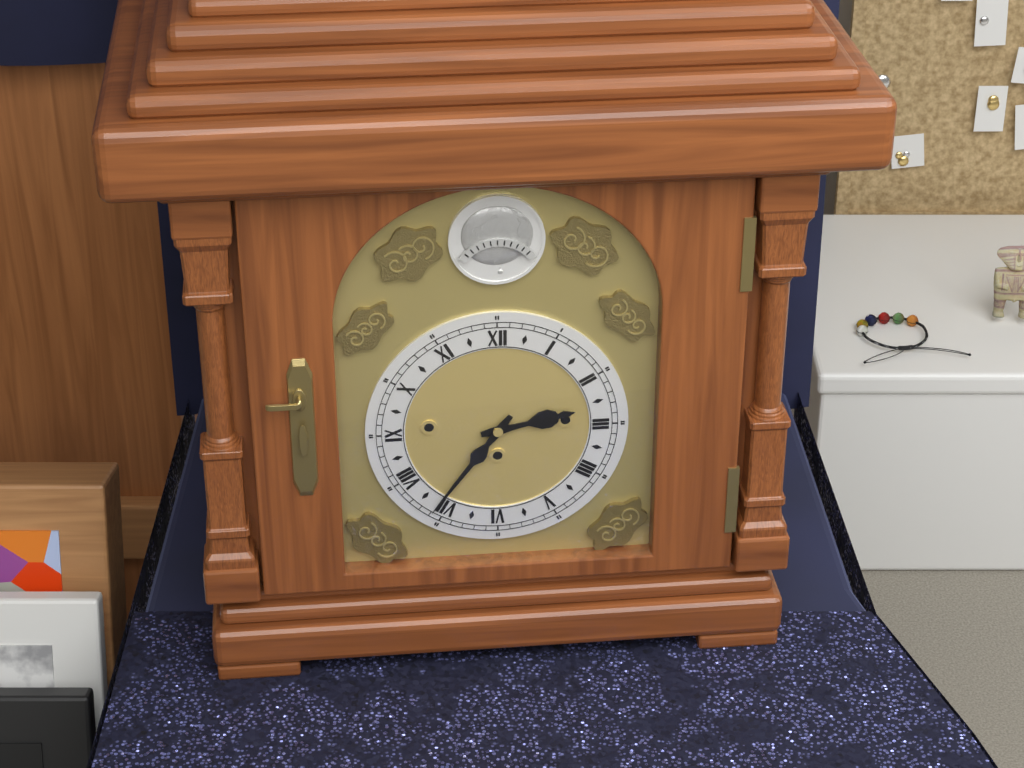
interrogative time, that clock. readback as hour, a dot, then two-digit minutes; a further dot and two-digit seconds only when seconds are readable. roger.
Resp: 2.36
